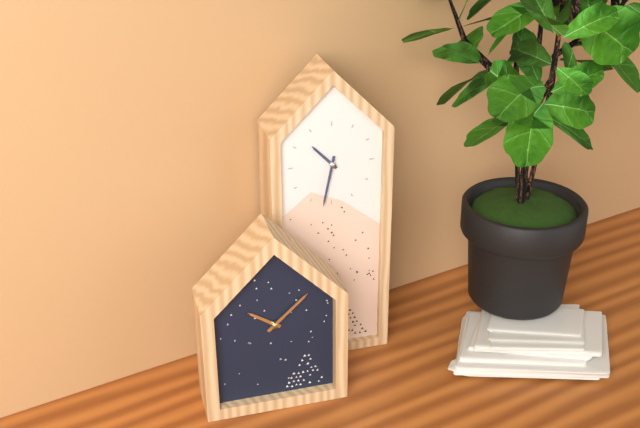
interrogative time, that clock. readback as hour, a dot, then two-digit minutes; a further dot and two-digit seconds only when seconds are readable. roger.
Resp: 10.32
